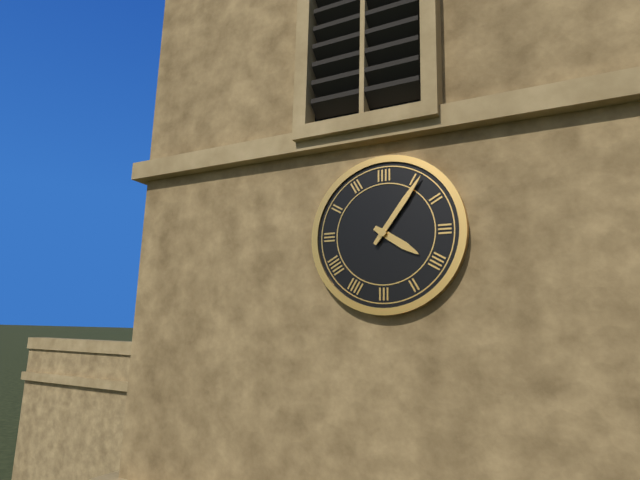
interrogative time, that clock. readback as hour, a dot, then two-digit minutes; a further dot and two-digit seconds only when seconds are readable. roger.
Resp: 4.06
